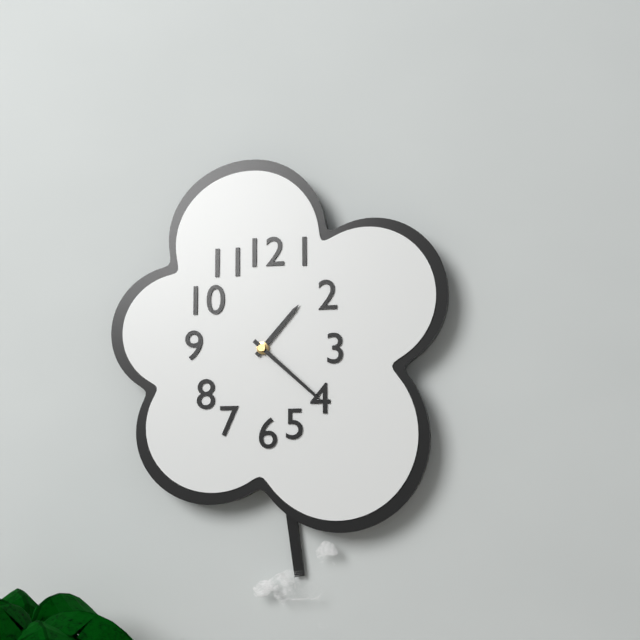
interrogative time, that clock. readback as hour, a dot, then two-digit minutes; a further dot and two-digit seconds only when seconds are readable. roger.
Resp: 1.22
